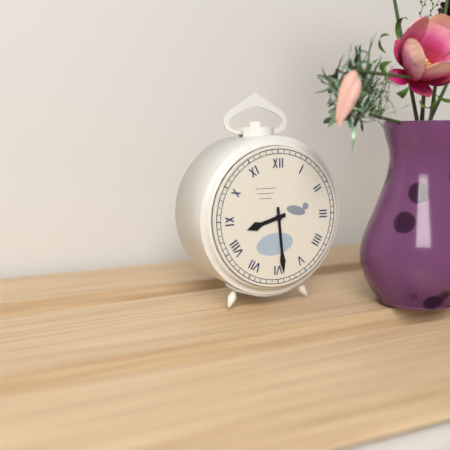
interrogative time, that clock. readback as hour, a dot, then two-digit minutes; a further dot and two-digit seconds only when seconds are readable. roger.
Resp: 8.29
